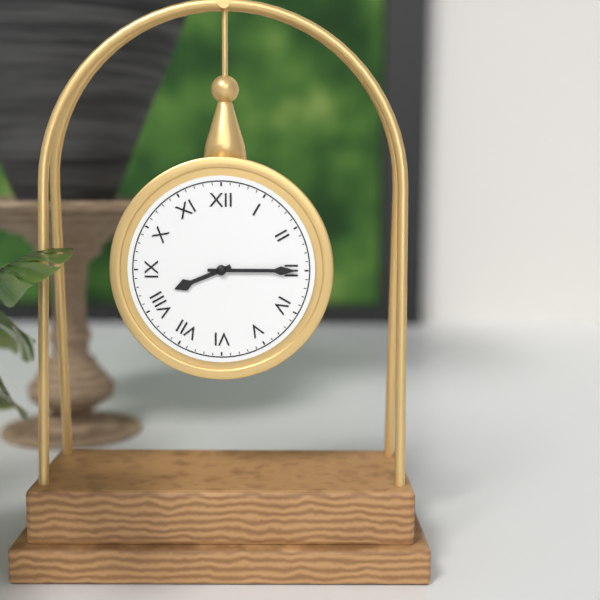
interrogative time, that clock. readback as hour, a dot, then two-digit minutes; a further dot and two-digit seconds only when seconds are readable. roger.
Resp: 8.15
